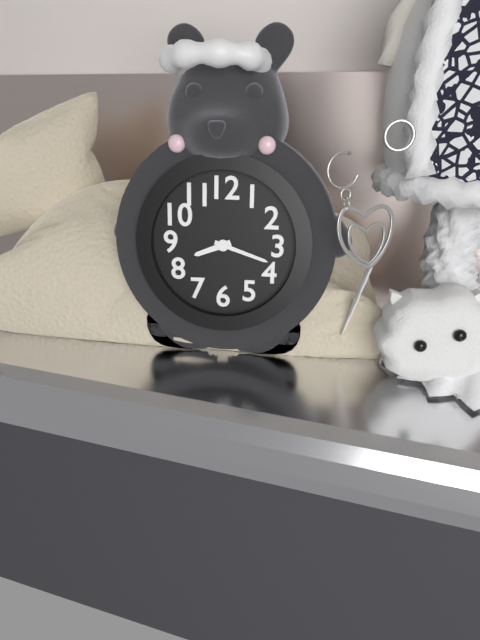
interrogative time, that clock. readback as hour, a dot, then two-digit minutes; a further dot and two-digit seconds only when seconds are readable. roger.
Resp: 8.18
